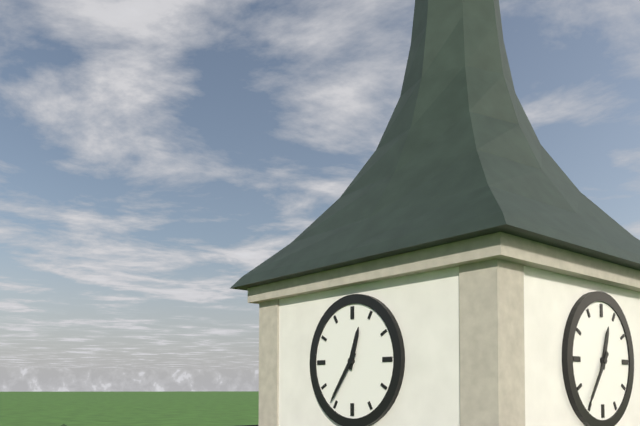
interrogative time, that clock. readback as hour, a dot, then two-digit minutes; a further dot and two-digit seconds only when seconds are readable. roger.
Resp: 12.36
